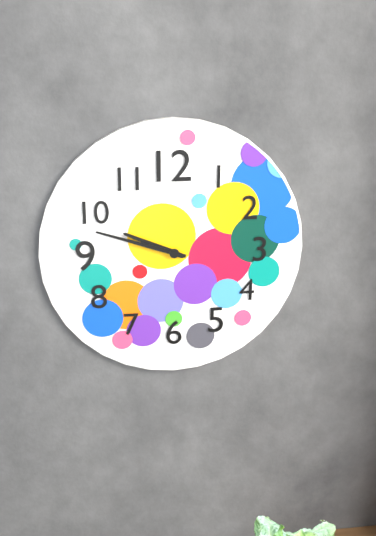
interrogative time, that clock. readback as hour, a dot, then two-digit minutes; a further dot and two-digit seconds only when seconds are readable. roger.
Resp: 9.48
